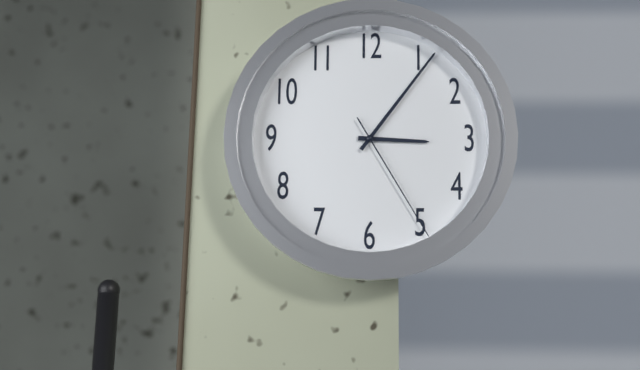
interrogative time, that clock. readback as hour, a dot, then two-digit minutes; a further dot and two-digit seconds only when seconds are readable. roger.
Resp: 3.06.25
